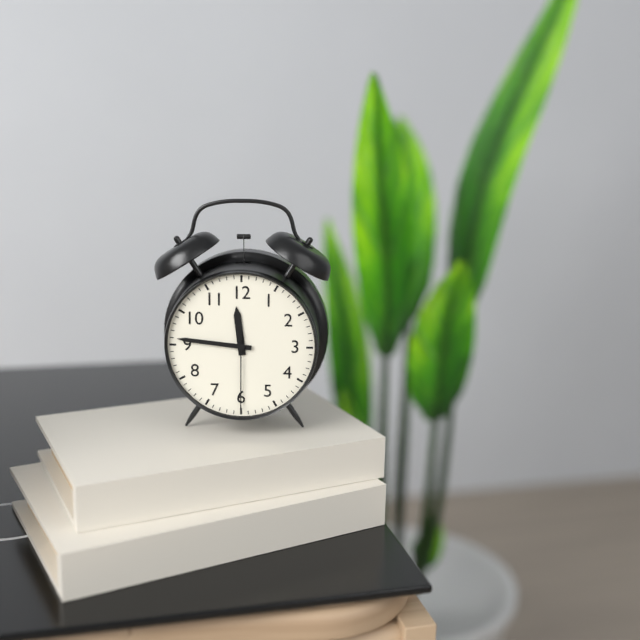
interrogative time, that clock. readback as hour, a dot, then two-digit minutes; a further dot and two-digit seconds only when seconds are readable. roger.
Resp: 11.46.30
